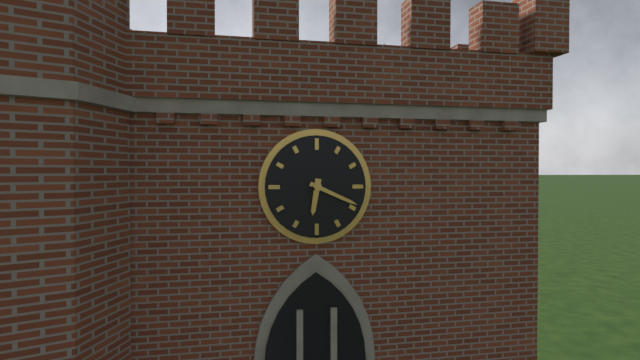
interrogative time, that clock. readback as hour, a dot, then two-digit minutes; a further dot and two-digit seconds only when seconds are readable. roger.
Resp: 6.19
